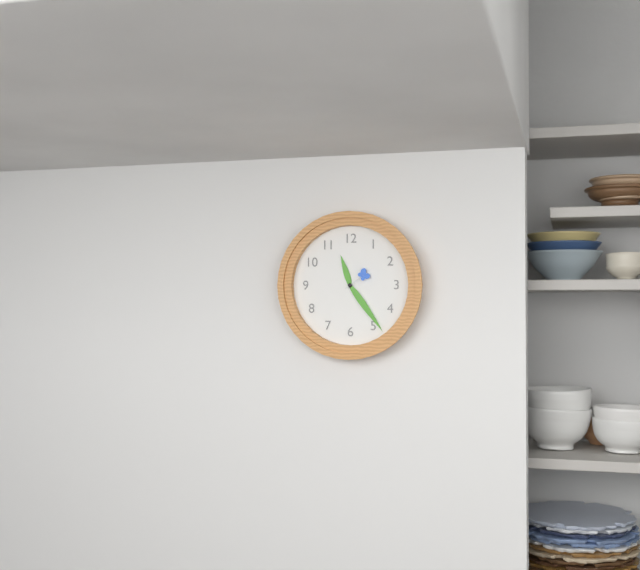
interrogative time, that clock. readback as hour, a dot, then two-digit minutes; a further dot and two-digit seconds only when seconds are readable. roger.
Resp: 11.24
